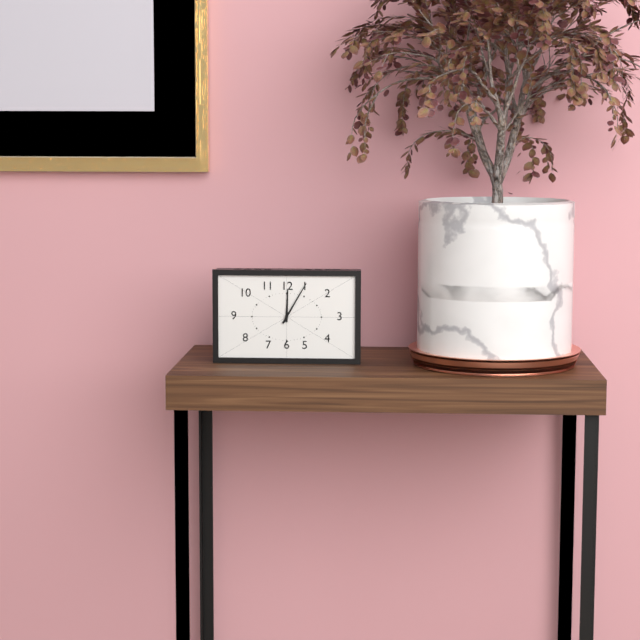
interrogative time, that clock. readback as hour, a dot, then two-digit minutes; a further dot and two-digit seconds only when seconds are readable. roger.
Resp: 12.05
